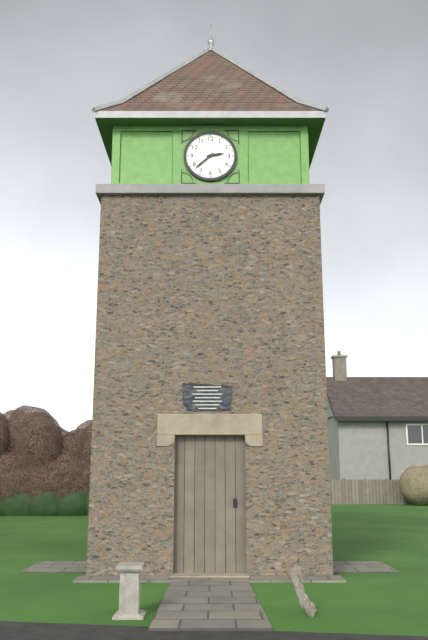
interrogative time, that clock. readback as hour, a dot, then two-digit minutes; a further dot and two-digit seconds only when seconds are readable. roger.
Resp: 2.38
